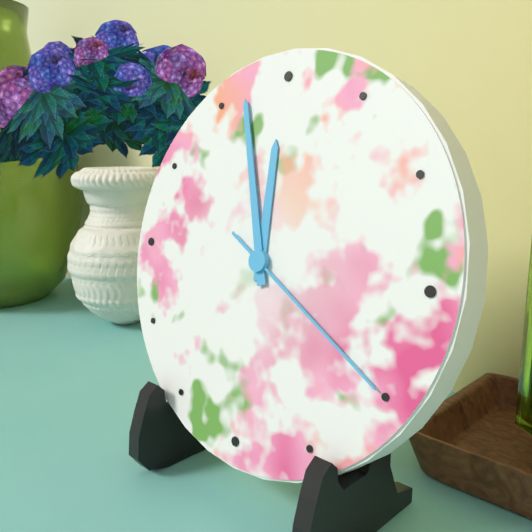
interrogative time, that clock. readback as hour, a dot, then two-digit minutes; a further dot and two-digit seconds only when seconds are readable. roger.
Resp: 11.57.20
